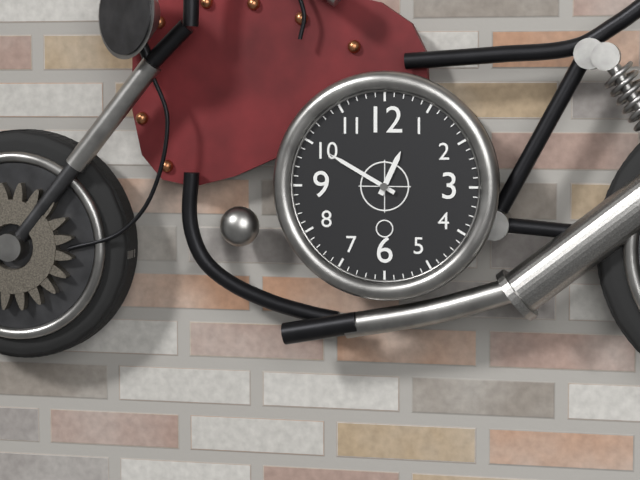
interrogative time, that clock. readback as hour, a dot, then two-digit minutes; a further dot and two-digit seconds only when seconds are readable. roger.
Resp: 12.50
